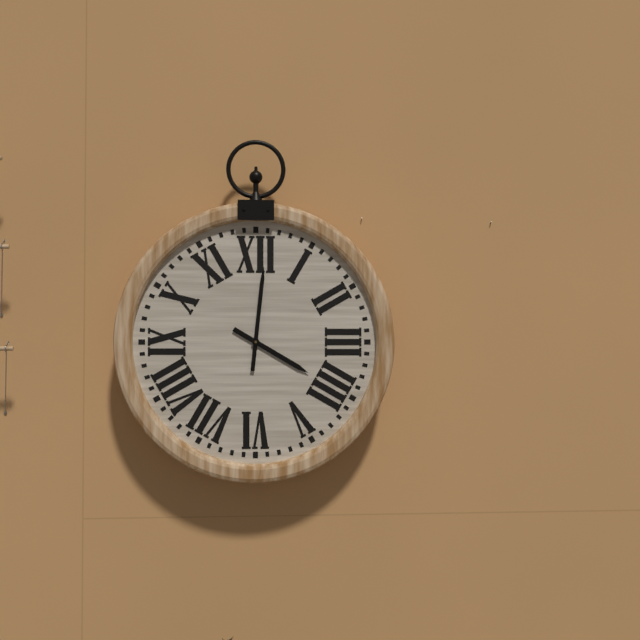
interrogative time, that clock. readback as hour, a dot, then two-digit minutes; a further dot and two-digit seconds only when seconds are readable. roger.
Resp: 4.01
